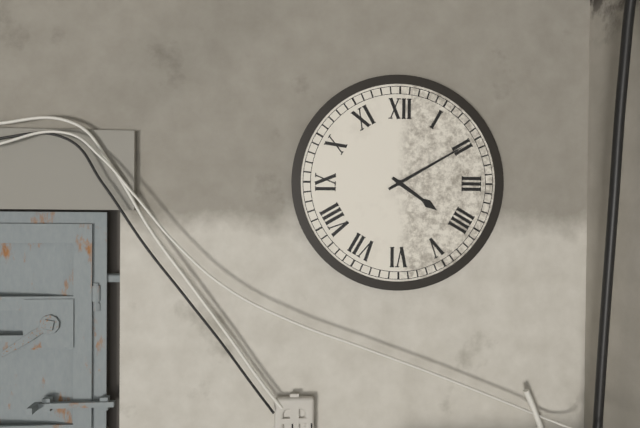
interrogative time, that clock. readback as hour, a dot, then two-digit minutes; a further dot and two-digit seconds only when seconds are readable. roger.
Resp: 4.10
